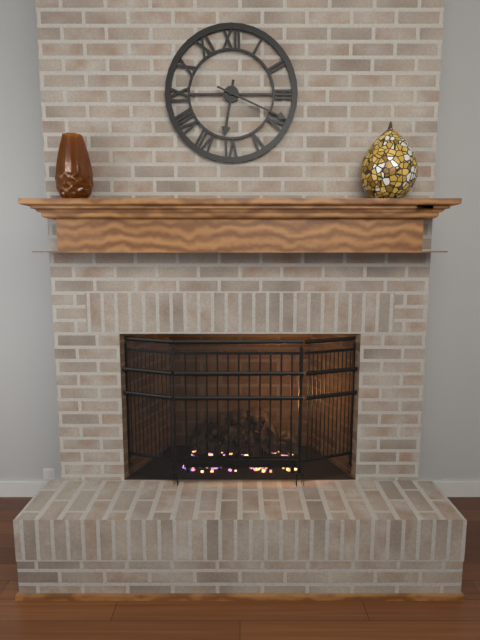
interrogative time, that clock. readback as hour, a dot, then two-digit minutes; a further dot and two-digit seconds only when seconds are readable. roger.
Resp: 6.19
